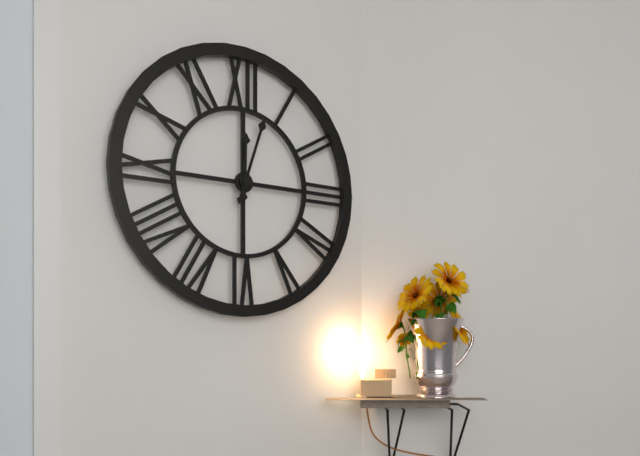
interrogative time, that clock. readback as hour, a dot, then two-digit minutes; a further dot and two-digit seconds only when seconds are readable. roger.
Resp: 12.03
